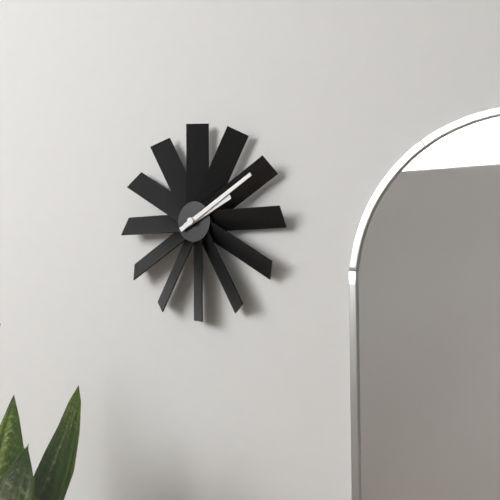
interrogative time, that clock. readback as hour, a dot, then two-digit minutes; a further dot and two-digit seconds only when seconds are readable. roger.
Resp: 2.10
